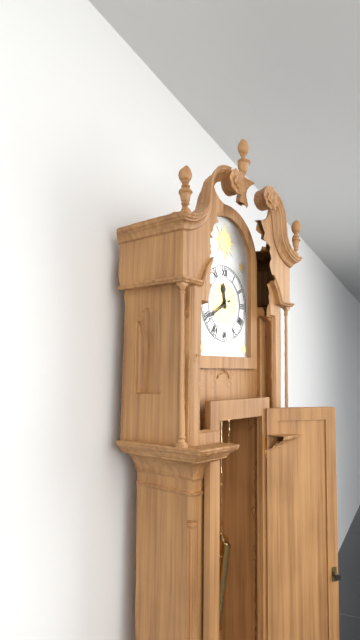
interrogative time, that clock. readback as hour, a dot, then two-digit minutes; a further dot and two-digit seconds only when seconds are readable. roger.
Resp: 11.40
